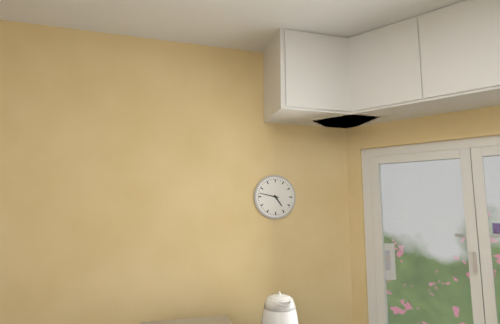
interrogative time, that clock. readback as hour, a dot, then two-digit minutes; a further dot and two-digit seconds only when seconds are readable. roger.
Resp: 4.47
